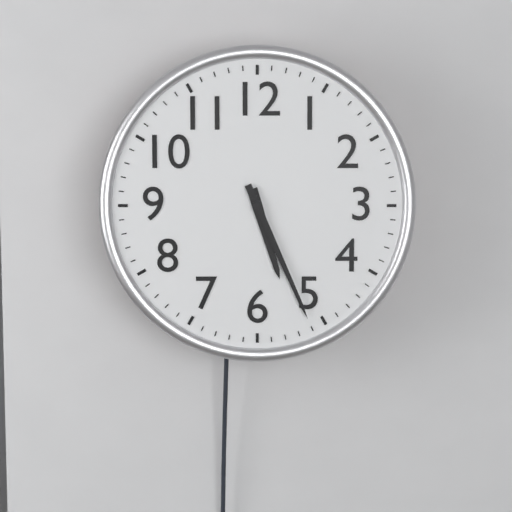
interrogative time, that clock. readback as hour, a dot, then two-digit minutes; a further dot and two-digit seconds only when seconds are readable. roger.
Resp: 5.26
